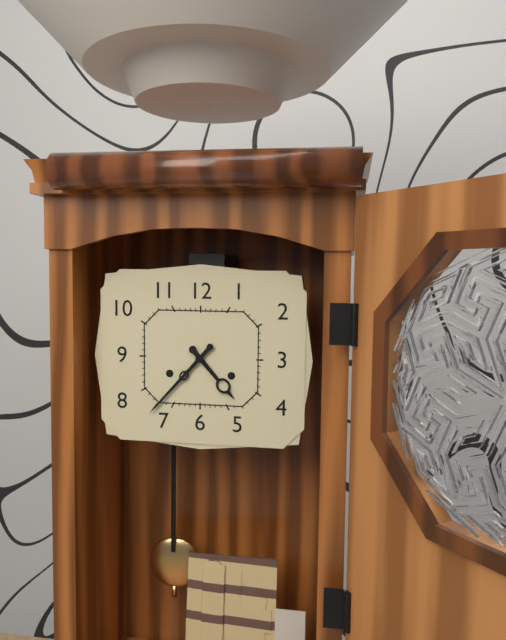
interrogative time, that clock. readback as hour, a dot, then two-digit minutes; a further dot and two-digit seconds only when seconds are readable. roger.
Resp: 4.37
